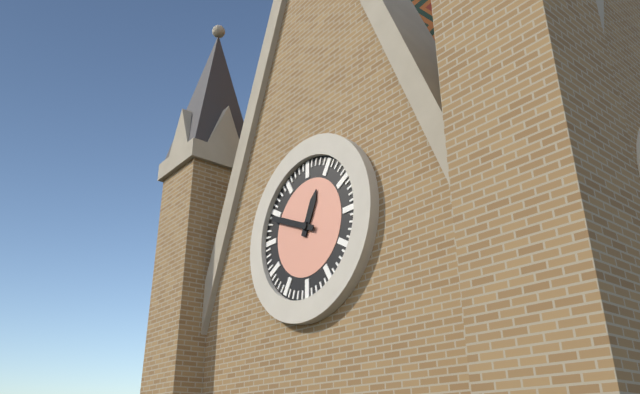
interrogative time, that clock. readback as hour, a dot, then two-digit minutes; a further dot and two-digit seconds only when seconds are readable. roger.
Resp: 12.49
